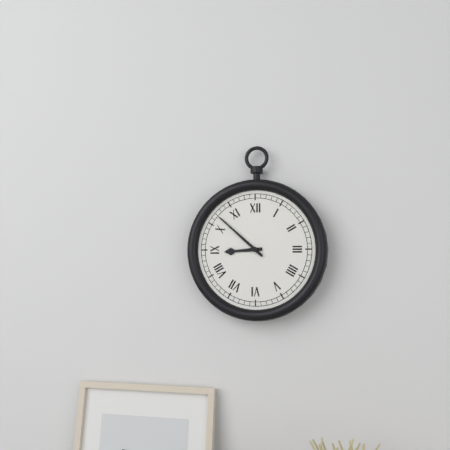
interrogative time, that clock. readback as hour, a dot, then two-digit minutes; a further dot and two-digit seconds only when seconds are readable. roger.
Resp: 8.52
